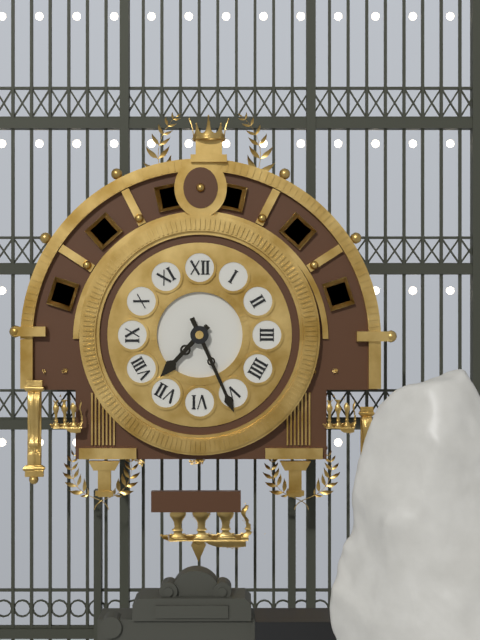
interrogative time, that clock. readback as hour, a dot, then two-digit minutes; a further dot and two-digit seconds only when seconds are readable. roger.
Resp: 7.26
